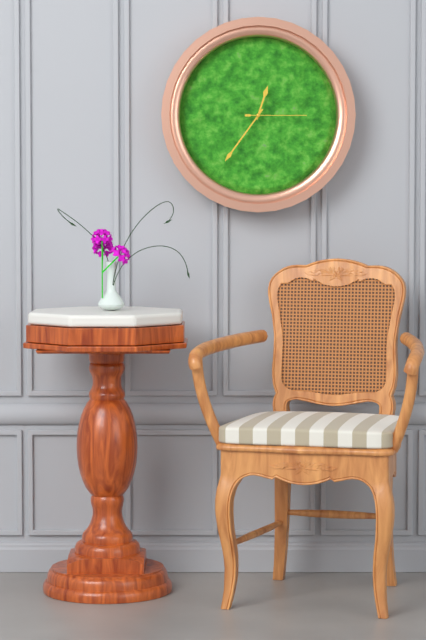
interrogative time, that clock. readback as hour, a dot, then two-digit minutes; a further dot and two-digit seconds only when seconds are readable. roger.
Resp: 12.36.15
